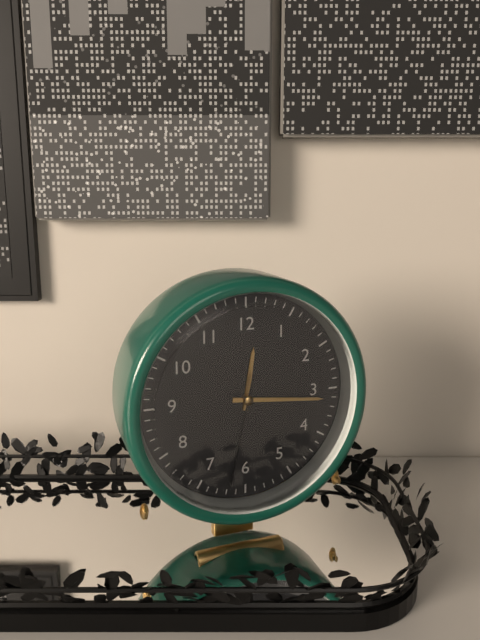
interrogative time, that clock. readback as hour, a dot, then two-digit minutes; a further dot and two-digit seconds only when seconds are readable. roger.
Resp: 12.16.32
